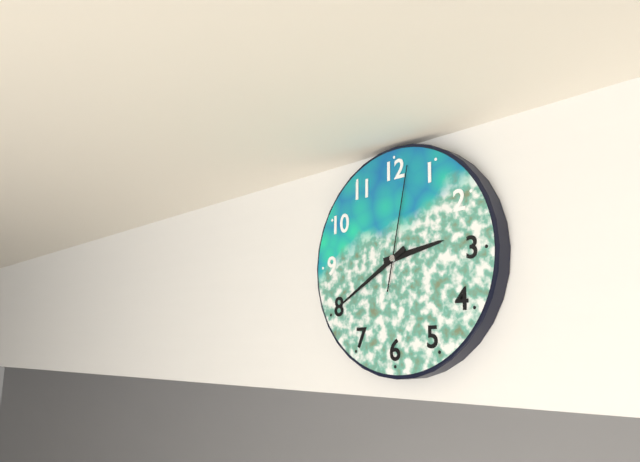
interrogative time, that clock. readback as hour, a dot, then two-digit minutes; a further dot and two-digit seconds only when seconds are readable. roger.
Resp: 2.40.02
